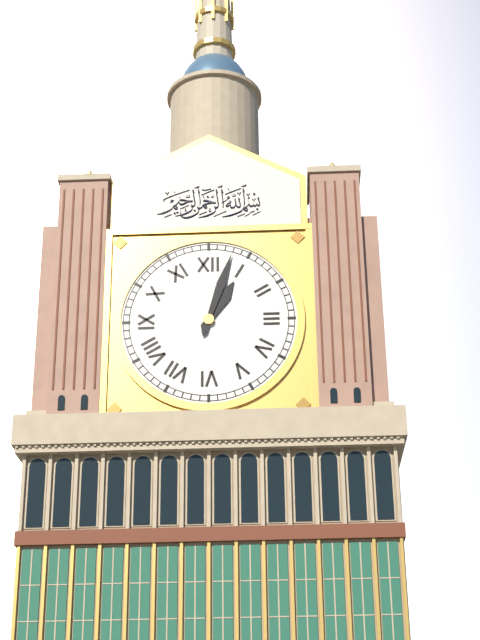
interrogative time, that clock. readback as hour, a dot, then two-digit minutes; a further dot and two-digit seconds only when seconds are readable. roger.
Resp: 1.03
